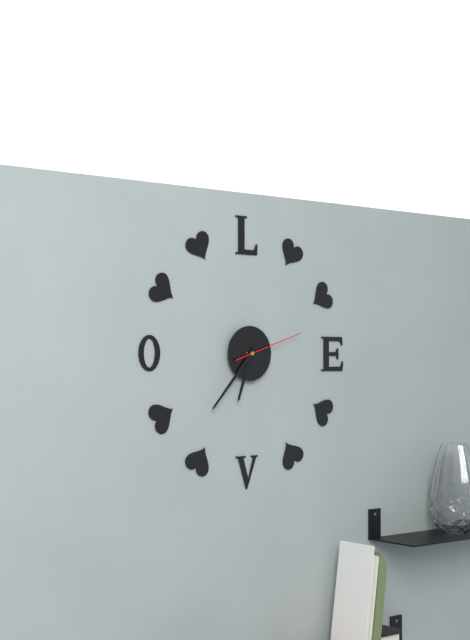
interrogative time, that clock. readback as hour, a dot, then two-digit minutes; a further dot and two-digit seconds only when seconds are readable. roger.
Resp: 6.37.12
